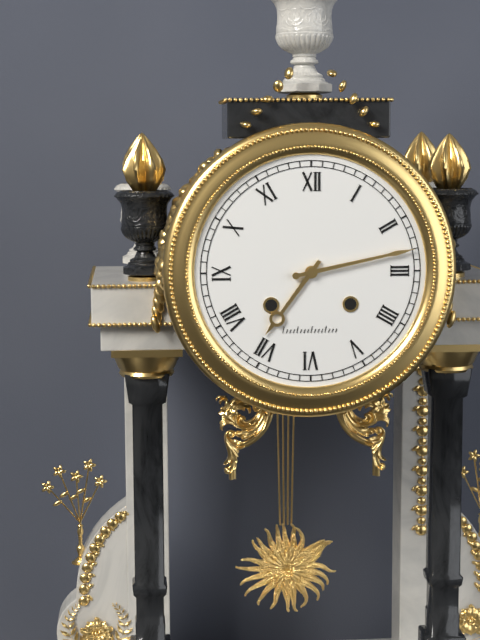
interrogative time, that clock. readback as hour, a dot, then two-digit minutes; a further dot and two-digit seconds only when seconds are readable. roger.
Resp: 7.13
